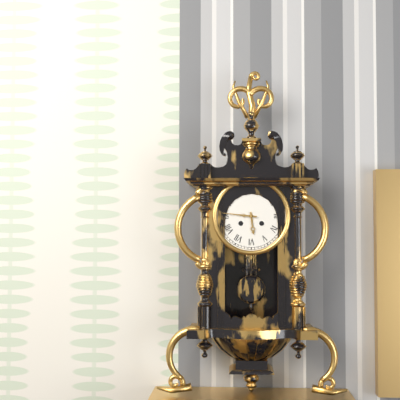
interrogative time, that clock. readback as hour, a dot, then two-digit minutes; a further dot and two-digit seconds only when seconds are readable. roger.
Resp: 5.46
